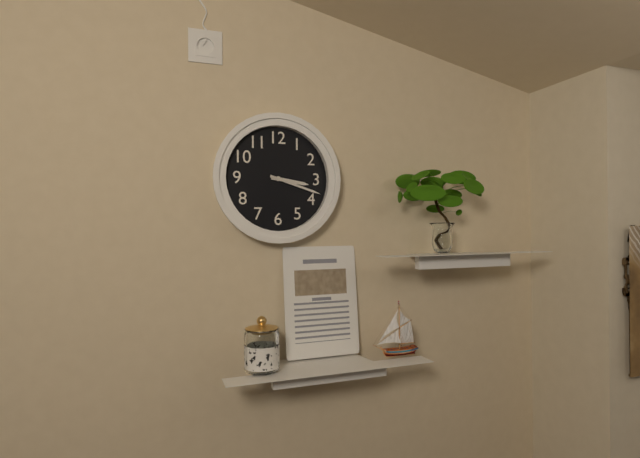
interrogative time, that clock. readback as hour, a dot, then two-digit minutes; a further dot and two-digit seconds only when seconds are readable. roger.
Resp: 3.18
